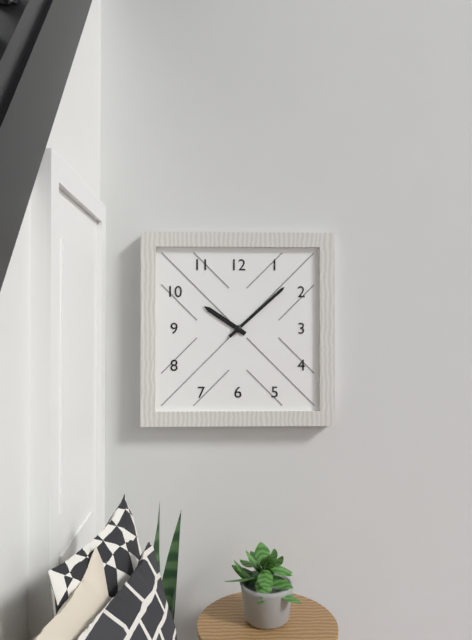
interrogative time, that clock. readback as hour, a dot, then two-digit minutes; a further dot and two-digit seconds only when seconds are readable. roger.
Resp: 10.08
